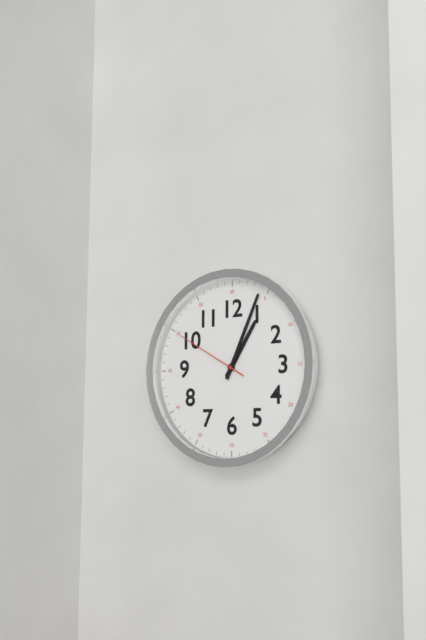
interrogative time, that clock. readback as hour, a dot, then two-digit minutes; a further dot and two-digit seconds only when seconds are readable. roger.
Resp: 1.04.50
